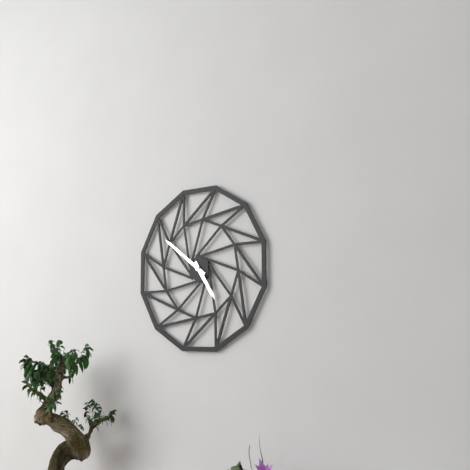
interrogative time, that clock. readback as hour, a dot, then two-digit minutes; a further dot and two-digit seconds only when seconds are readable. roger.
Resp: 4.51
